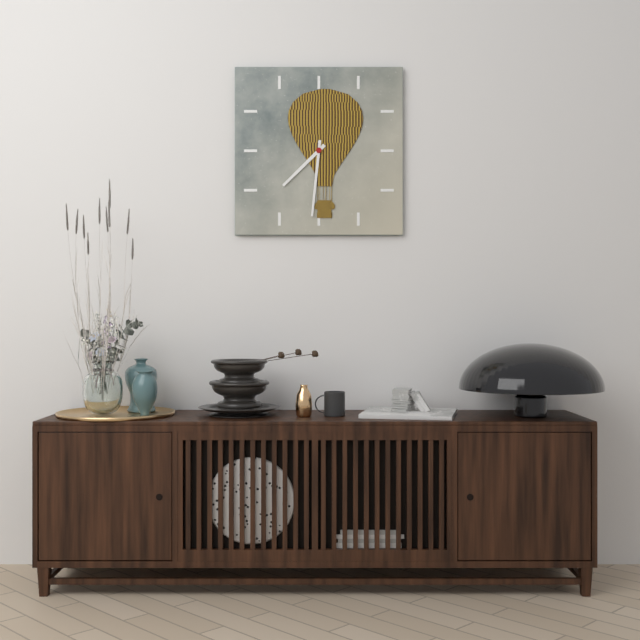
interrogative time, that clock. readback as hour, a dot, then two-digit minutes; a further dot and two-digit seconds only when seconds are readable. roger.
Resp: 7.31
